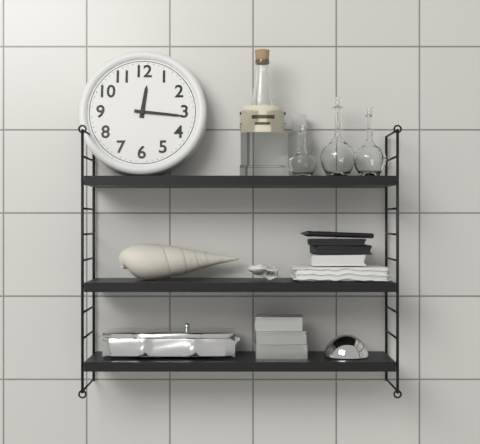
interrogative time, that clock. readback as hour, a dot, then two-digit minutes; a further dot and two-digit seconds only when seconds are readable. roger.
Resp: 12.16
